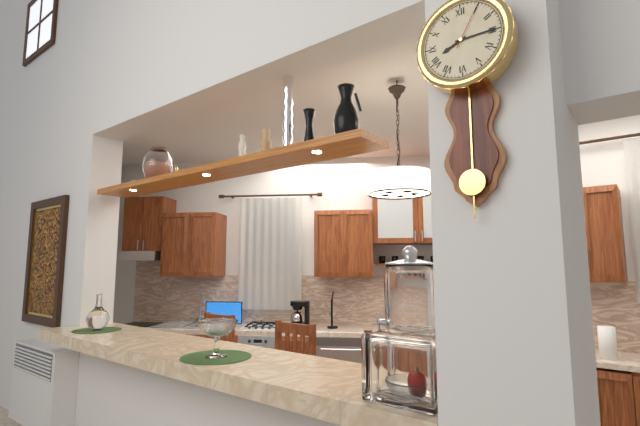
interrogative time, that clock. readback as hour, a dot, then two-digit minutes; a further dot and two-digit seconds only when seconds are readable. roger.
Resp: 8.15
